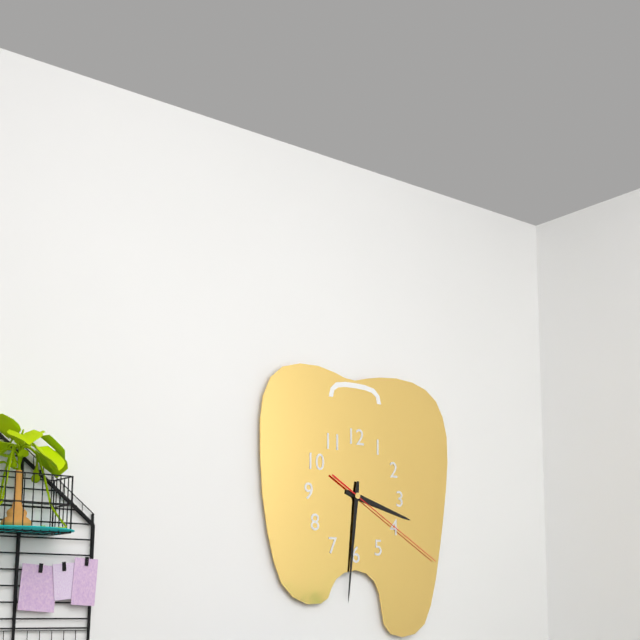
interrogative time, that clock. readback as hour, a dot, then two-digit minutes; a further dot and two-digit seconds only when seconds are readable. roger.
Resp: 3.31.20
